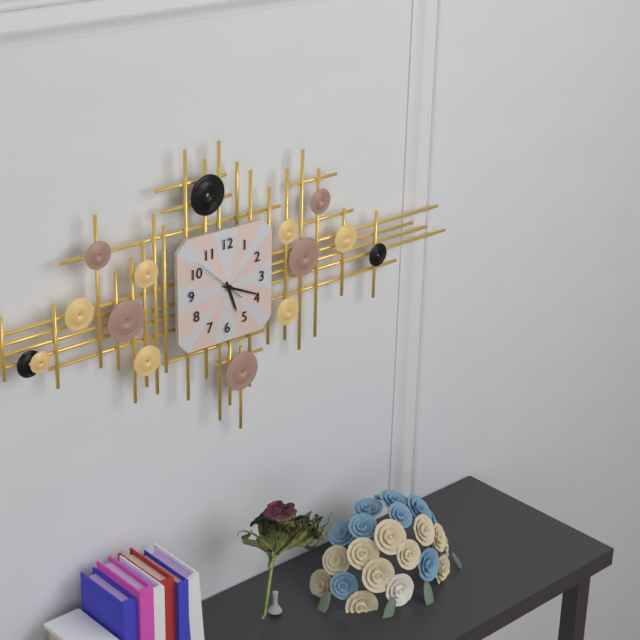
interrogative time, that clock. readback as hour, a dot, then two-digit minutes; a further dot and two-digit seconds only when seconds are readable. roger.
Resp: 5.19.52
